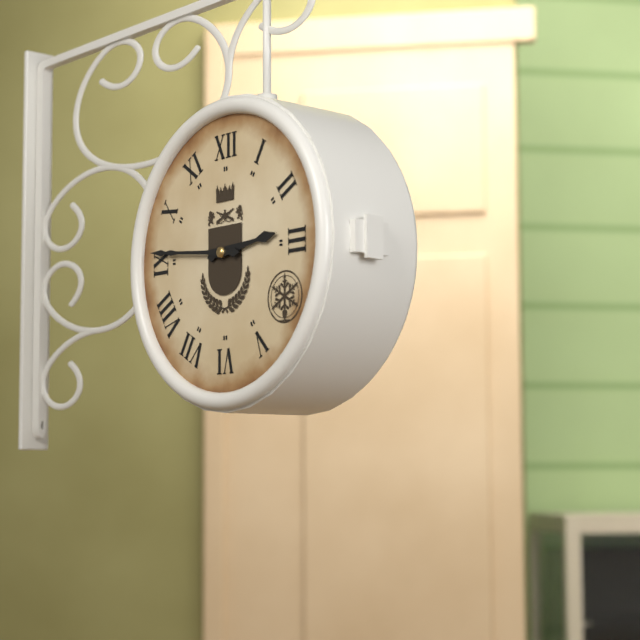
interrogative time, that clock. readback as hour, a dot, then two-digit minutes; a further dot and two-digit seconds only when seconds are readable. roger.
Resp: 2.46
